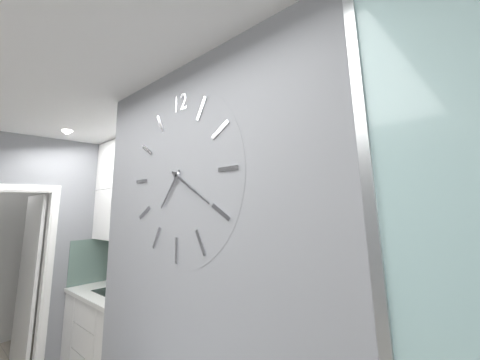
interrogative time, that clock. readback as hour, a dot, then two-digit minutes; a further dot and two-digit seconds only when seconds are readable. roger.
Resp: 7.20
